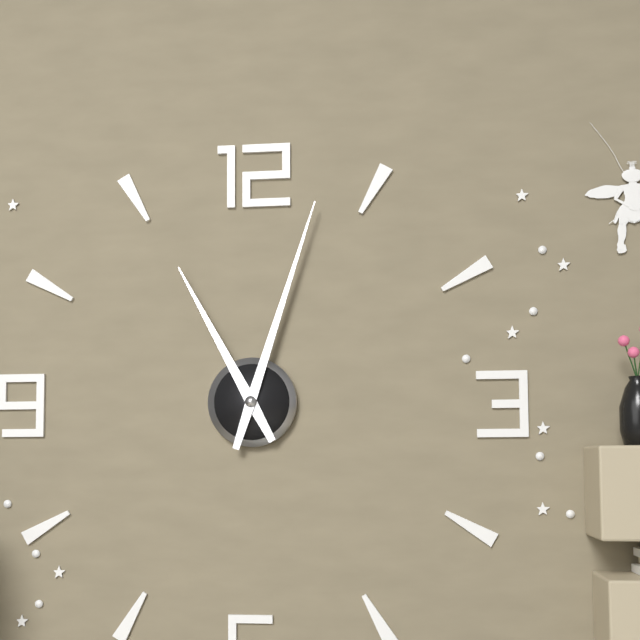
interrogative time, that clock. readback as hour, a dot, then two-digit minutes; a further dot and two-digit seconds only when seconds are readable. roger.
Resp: 11.03
